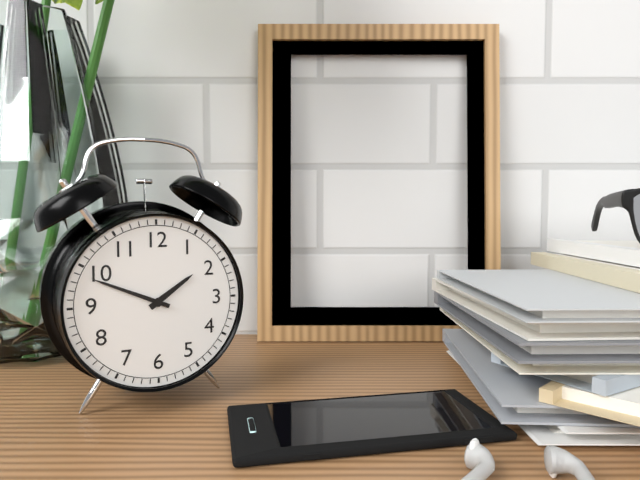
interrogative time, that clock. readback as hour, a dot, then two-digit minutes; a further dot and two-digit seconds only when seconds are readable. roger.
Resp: 1.49
